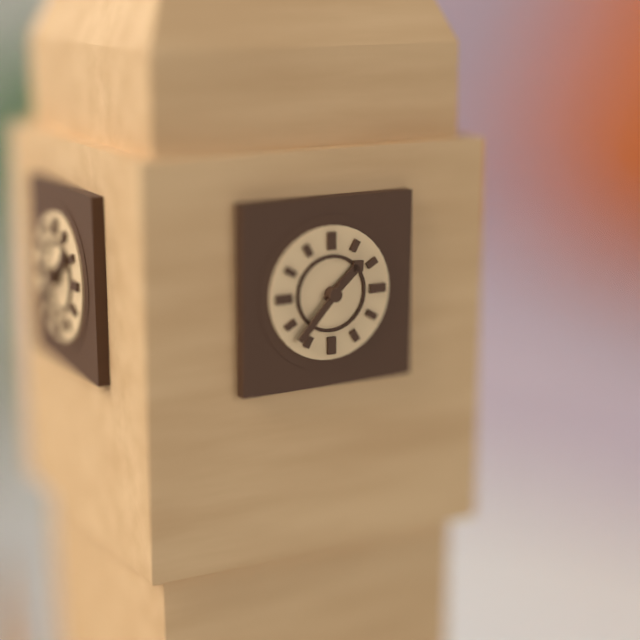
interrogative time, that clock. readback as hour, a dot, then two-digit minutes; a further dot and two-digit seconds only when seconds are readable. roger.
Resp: 1.37
